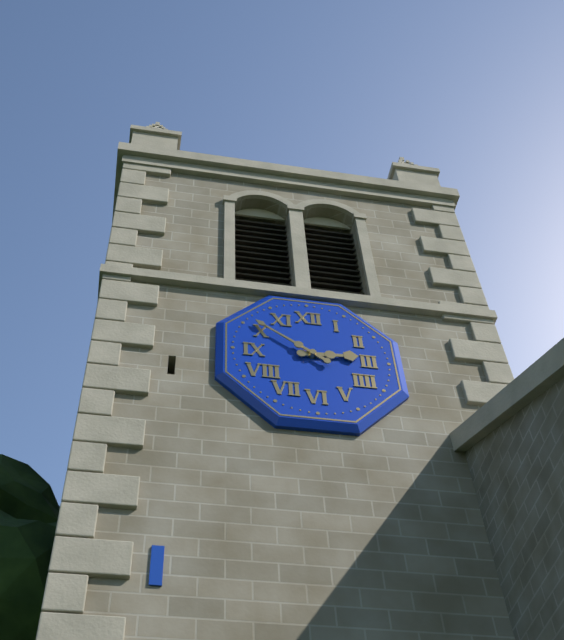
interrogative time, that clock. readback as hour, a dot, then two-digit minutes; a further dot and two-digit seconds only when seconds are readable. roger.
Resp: 2.51
